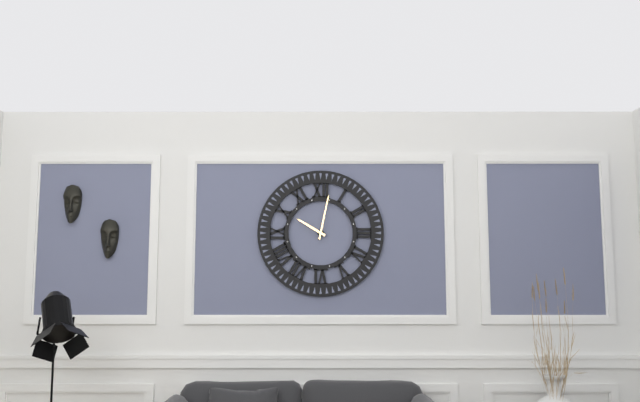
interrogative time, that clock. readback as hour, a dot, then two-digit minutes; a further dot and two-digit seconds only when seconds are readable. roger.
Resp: 10.02
